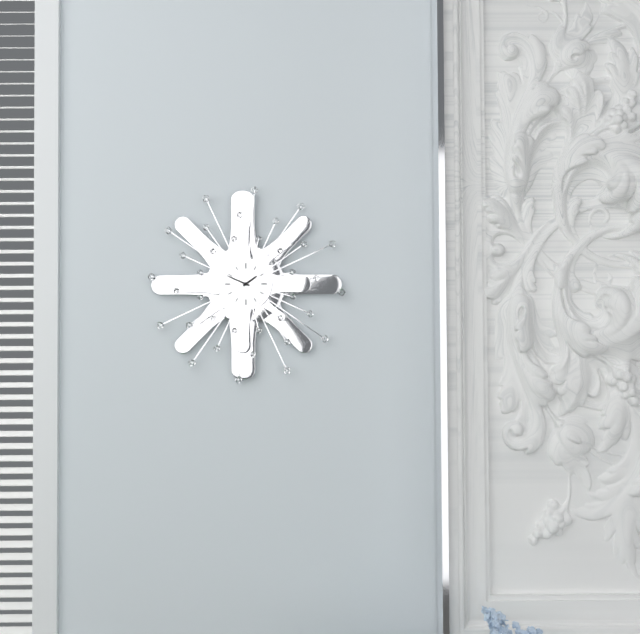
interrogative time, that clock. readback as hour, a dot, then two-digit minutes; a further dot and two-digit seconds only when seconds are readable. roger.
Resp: 1.49
